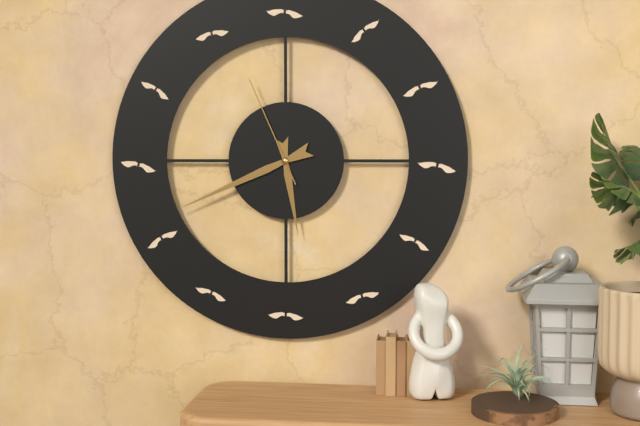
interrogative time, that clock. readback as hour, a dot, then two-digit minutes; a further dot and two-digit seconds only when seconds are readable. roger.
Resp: 5.41.56
